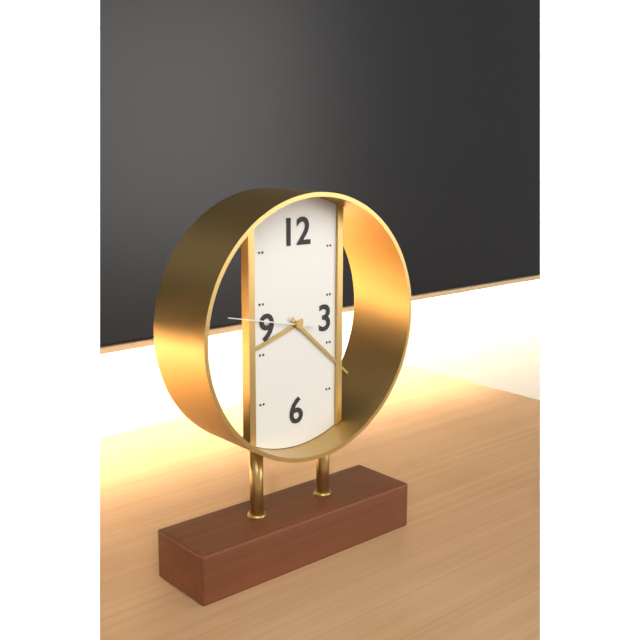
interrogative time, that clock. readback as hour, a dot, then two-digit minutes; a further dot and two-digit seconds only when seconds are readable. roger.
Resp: 8.22.47
